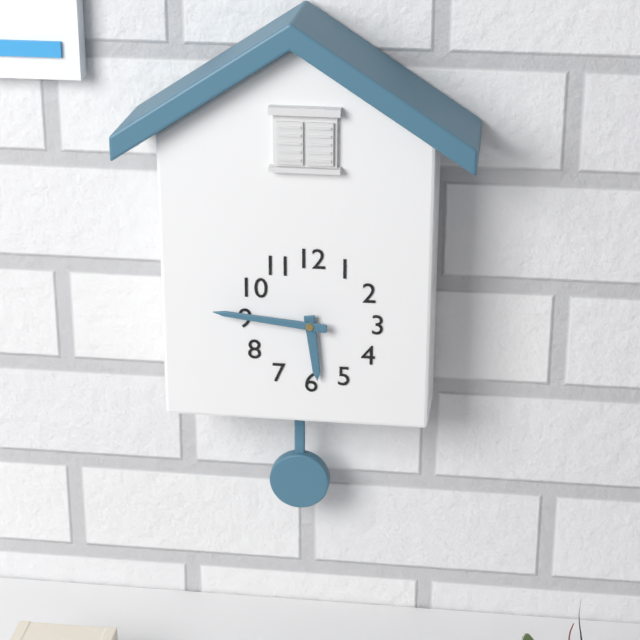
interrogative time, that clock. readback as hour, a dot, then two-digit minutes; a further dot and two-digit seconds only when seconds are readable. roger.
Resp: 5.46
